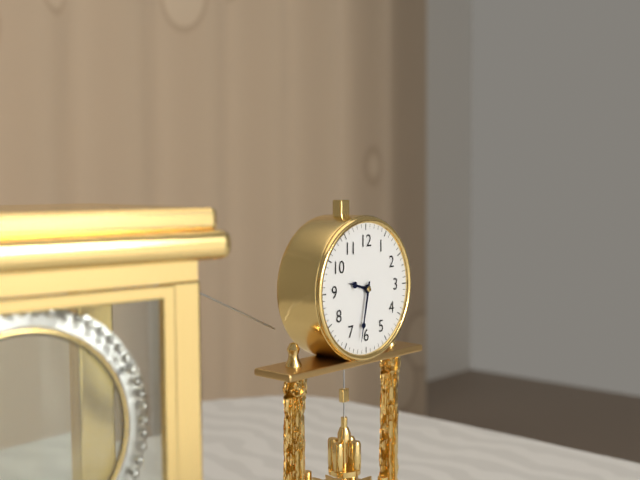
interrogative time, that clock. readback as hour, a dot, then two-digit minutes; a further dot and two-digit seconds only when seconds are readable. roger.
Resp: 9.32
